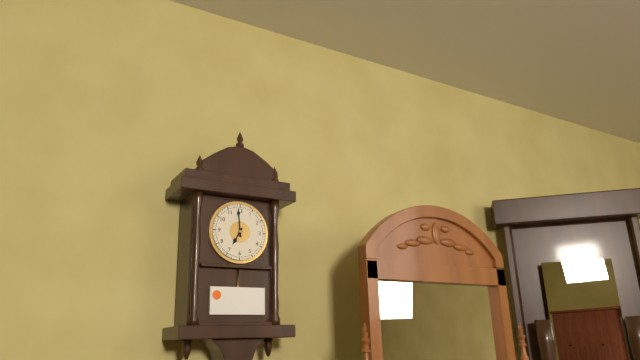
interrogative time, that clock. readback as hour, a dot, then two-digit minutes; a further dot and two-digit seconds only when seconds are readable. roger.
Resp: 6.59
